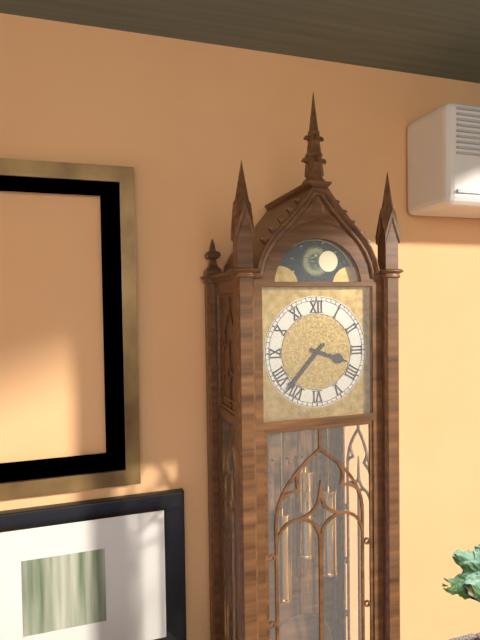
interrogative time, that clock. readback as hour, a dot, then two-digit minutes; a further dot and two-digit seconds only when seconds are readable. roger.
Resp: 3.37
